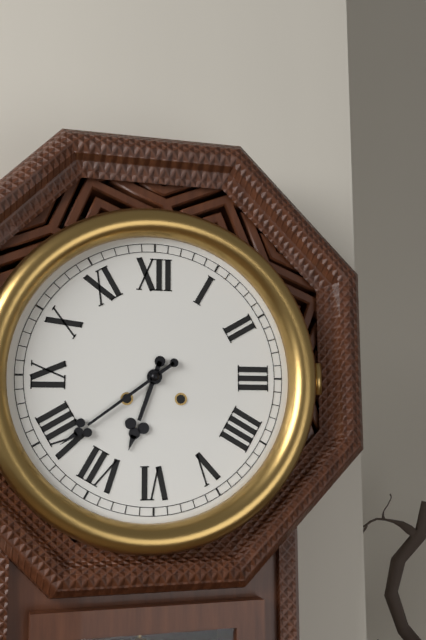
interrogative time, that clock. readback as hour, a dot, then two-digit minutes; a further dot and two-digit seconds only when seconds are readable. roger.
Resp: 6.39
